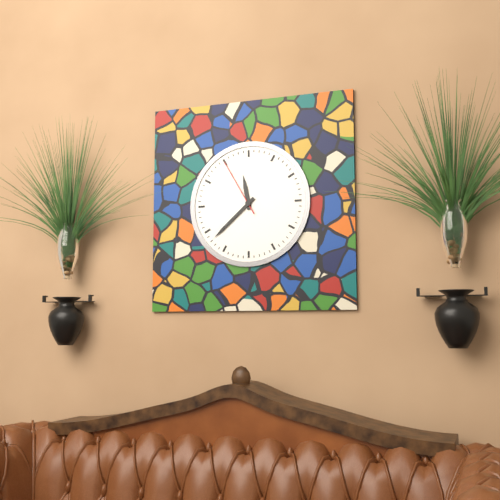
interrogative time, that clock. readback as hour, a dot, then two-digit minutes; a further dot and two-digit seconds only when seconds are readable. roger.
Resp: 11.38.55
